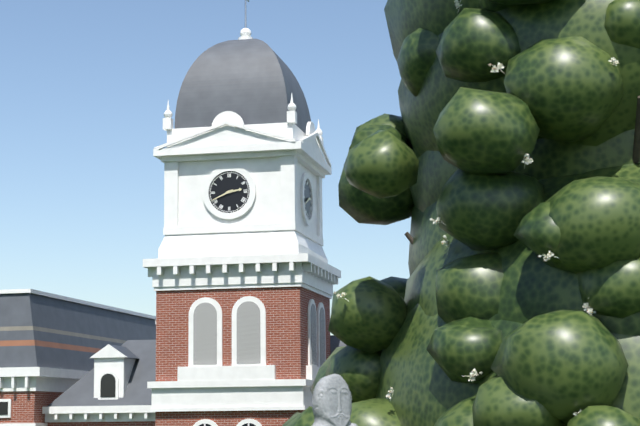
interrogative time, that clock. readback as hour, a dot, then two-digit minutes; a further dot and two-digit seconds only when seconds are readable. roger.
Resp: 2.41
